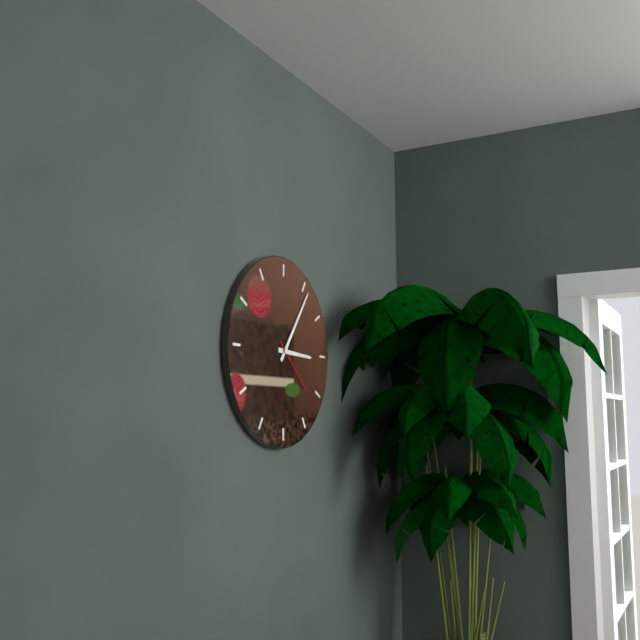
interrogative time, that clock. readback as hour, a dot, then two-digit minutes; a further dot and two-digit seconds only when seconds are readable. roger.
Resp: 3.06.22
